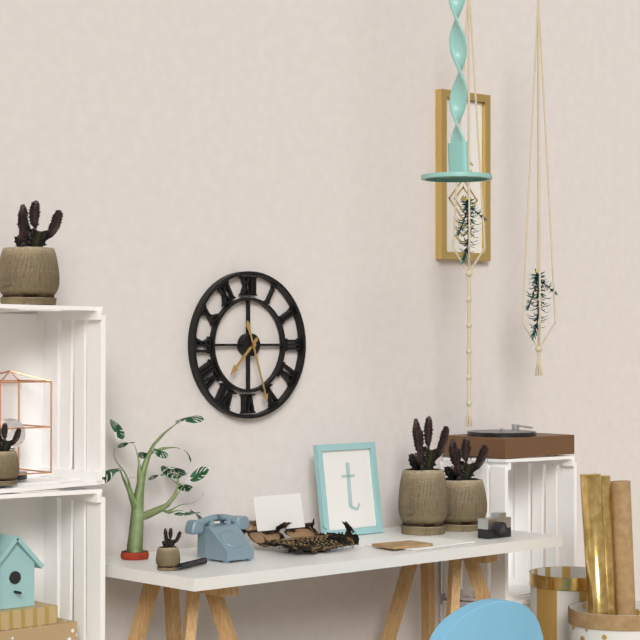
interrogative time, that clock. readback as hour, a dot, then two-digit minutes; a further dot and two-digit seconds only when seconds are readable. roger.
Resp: 7.27
